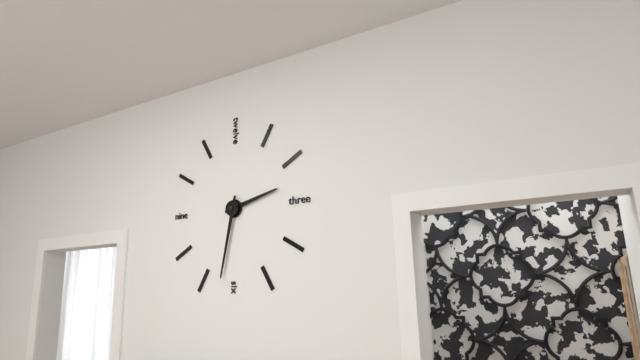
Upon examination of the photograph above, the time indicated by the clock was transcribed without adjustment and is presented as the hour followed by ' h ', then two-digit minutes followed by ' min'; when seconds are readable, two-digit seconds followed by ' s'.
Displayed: 2 h 32 min
